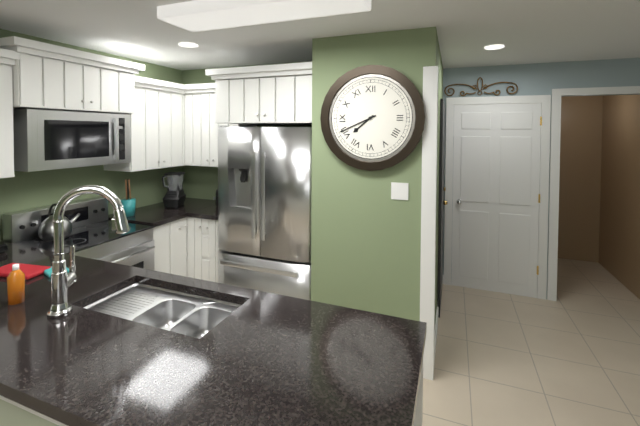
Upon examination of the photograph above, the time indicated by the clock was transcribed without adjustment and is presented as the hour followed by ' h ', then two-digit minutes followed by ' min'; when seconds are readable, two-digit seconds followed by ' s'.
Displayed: 7 h 41 min
